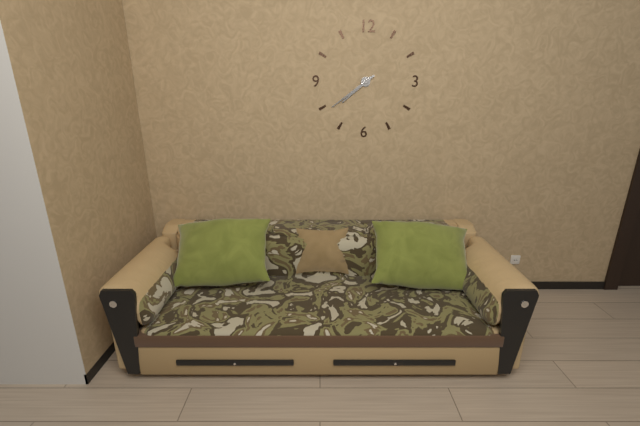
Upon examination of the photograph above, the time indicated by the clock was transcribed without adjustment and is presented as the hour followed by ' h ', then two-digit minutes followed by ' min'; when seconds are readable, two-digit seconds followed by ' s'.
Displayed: 7 h 39 min
